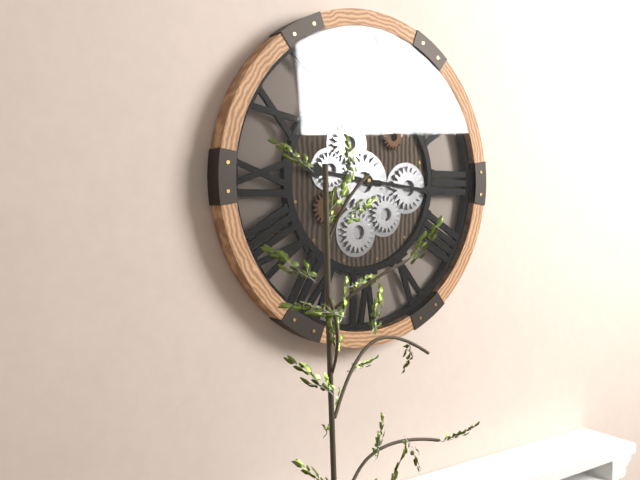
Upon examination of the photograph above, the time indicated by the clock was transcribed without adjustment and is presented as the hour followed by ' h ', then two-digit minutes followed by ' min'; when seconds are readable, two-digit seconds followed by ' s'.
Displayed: 9 h 16 min
